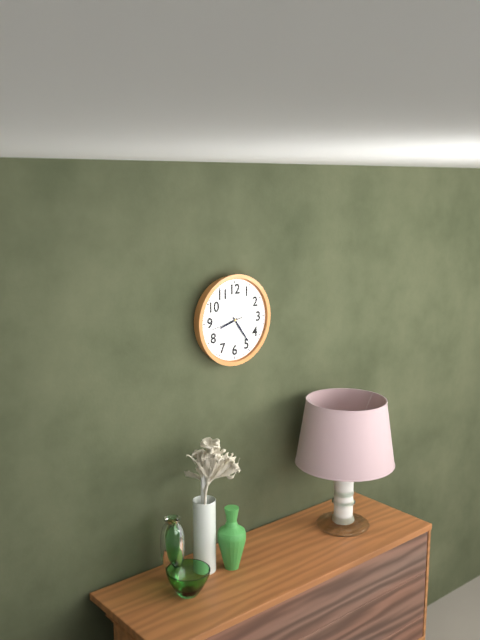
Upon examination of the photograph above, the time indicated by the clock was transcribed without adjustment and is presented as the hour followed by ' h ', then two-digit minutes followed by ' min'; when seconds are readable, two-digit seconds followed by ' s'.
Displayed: 8 h 24 min
